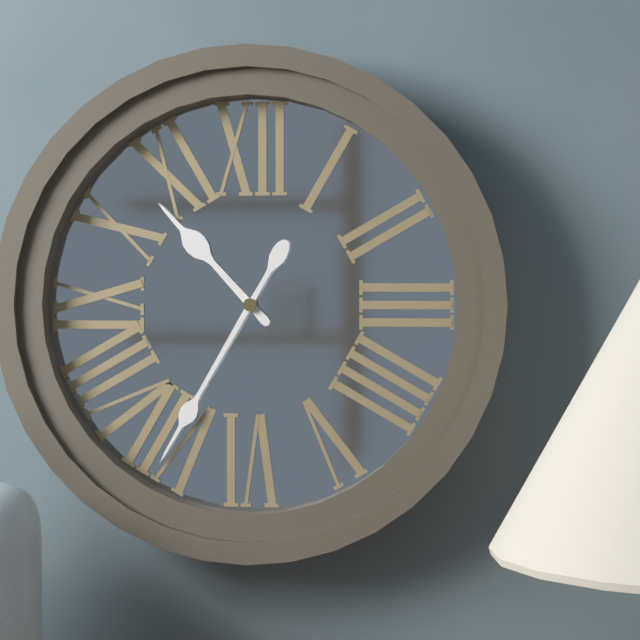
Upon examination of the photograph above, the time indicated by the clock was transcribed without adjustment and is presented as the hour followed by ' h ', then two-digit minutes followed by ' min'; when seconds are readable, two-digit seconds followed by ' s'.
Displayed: 10 h 35 min
